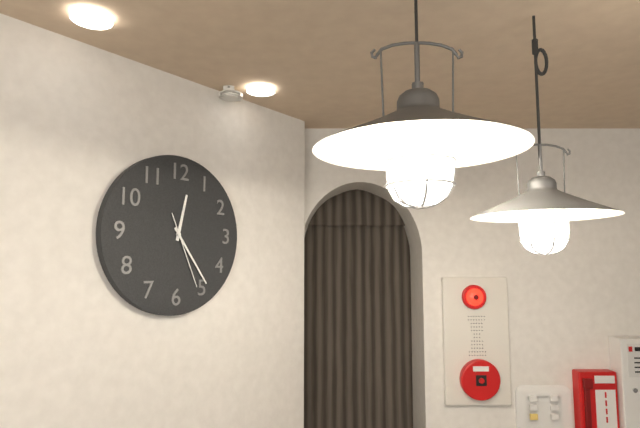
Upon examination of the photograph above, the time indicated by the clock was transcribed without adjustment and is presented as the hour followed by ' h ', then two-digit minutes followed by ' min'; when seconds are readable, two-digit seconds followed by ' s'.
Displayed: 12 h 24 min 26 s
